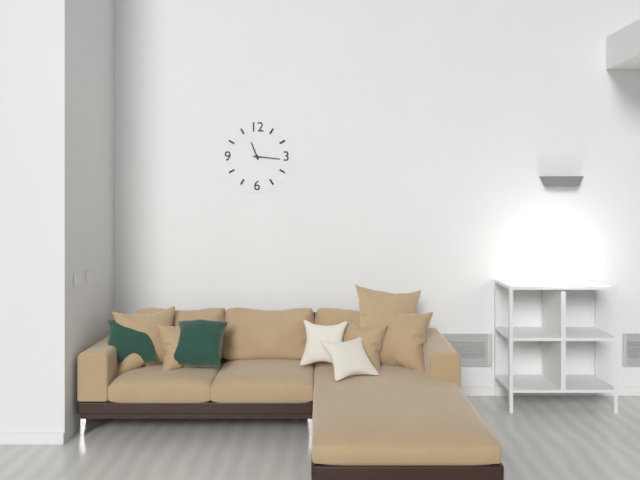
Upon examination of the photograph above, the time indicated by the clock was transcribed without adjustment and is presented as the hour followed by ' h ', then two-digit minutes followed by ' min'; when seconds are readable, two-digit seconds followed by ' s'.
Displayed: 11 h 16 min
